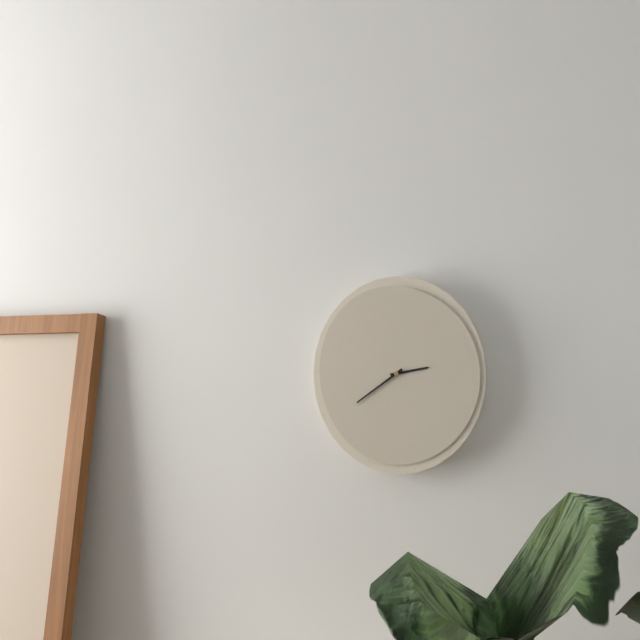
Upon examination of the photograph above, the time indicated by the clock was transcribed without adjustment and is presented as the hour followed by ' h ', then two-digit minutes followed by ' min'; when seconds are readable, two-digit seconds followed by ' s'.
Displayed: 2 h 39 min
